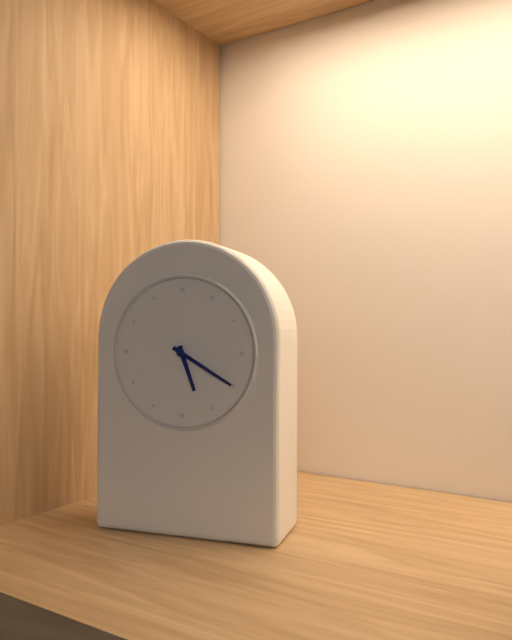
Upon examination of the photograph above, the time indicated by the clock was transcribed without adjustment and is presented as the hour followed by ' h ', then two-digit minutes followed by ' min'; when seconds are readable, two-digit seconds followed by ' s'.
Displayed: 5 h 20 min
